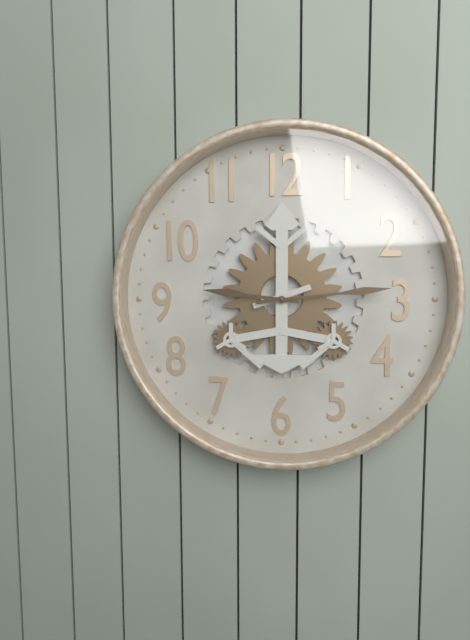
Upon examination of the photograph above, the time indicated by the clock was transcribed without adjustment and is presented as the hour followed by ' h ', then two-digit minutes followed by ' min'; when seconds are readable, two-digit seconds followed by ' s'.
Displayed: 9 h 14 min
